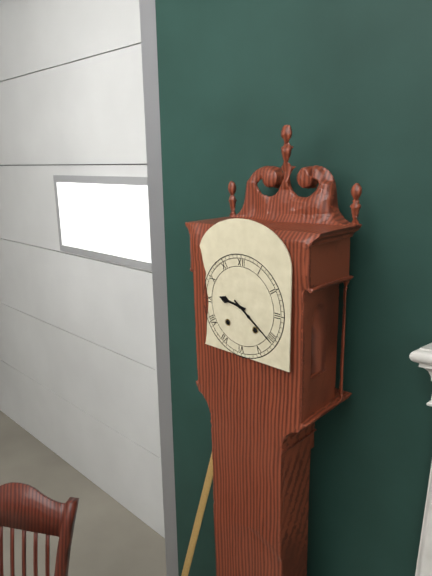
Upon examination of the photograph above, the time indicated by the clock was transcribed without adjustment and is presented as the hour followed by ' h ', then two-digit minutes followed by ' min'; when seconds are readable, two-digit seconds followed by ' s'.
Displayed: 9 h 21 min
